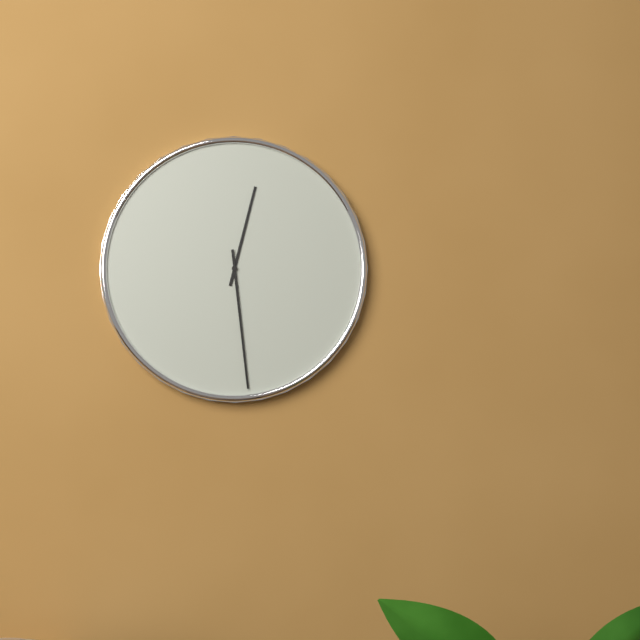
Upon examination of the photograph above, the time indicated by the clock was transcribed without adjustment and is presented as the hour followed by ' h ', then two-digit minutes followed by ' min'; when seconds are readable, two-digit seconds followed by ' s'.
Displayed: 12 h 29 min
